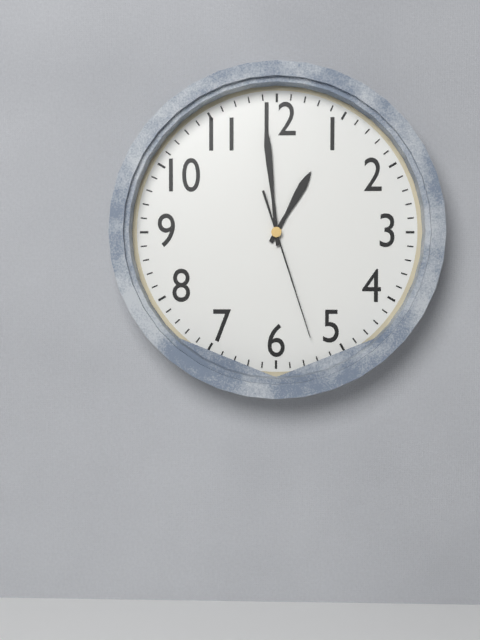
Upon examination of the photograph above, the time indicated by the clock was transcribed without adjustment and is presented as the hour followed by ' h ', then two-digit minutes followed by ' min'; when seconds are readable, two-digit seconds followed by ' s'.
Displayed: 12 h 59 min 27 s
